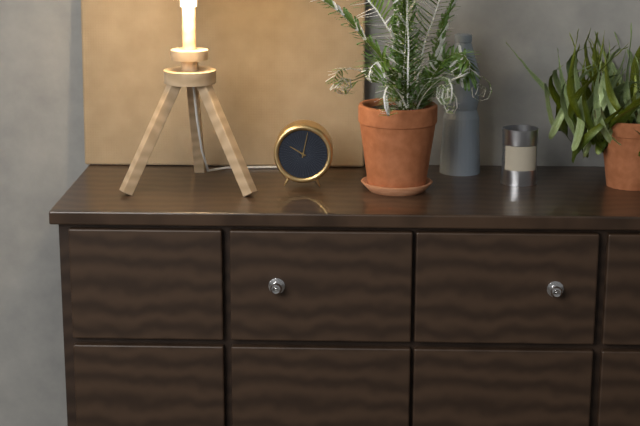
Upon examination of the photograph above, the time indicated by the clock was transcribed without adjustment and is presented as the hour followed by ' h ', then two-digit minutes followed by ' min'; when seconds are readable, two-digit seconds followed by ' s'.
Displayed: 10 h 02 min
